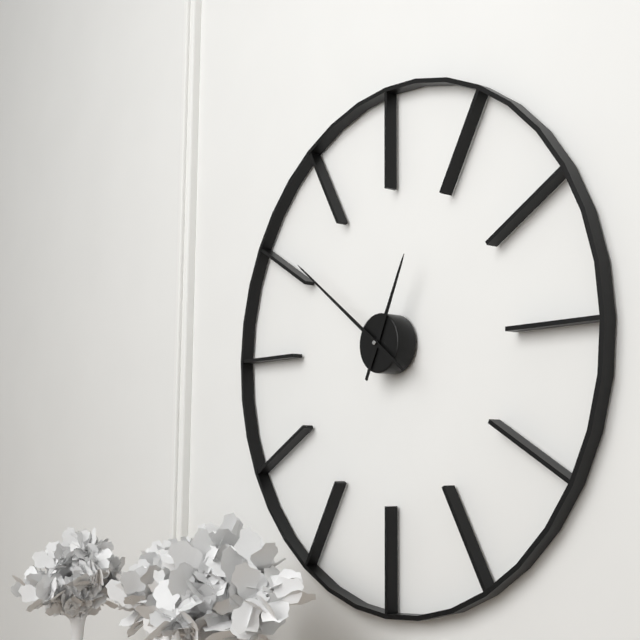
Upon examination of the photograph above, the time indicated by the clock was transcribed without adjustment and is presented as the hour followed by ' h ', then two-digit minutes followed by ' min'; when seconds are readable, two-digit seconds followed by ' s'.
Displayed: 12 h 51 min
